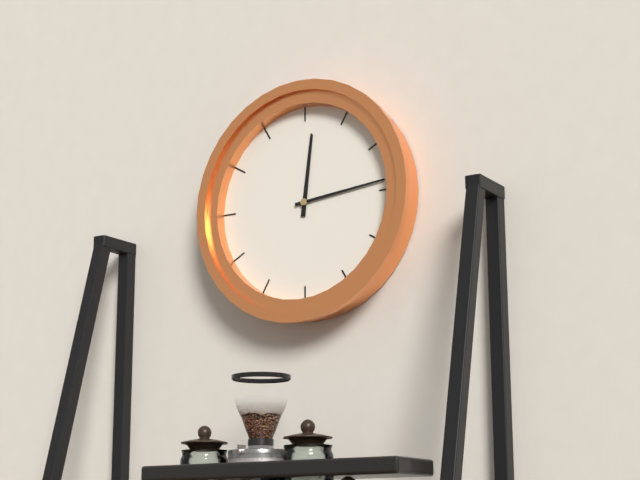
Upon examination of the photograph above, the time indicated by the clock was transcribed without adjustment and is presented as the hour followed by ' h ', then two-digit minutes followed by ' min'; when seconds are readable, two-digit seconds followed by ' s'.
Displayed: 12 h 14 min
